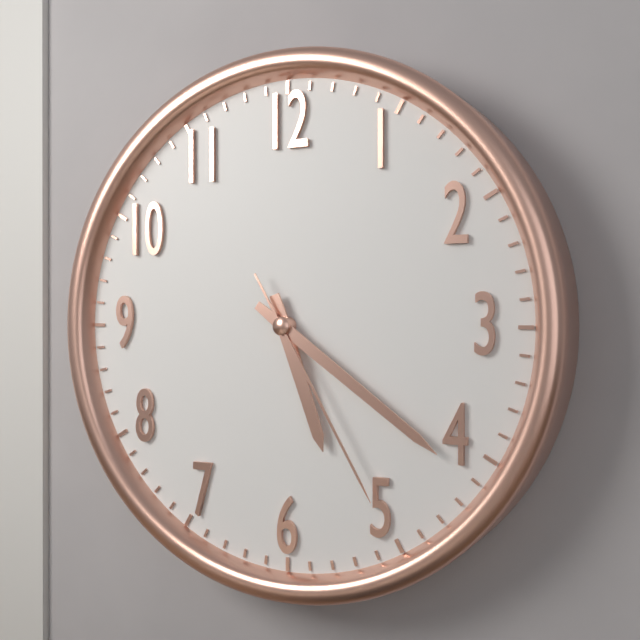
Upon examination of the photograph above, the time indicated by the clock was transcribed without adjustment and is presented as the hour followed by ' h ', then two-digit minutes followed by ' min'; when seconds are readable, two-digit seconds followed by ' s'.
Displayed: 5 h 21 min 25 s
